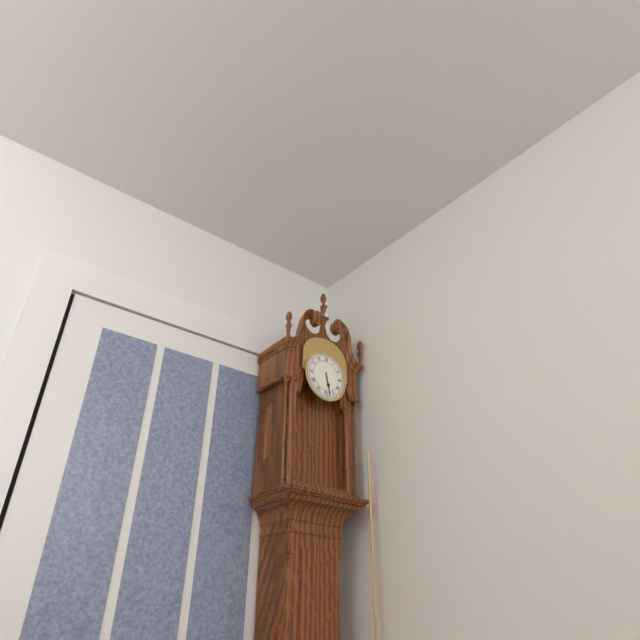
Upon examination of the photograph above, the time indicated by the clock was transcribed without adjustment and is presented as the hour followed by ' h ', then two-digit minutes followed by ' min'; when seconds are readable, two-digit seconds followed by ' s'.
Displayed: 5 h 28 min
